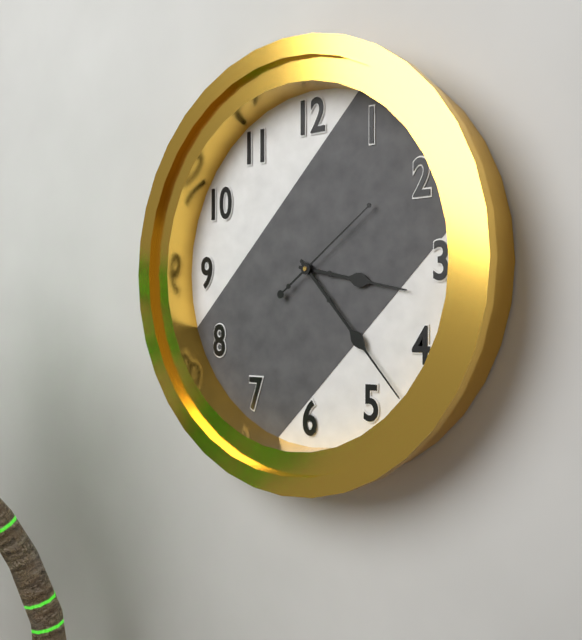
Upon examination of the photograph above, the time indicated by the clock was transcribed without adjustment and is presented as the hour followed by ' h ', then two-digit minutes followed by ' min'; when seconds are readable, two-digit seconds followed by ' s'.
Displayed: 3 h 23 min 09 s
